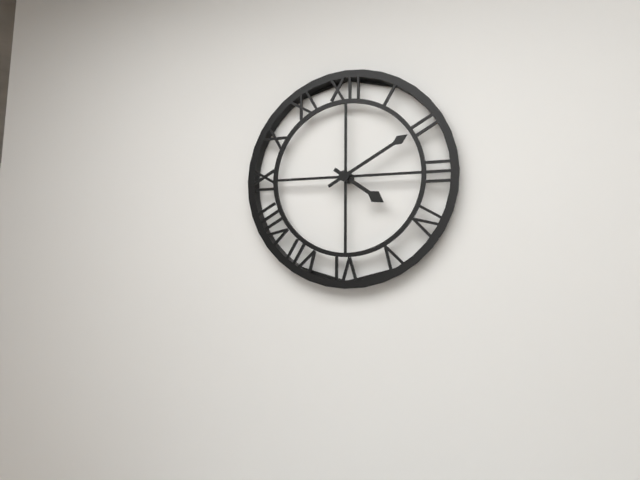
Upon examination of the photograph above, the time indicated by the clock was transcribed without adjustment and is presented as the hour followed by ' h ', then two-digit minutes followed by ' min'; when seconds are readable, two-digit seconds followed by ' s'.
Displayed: 4 h 10 min
